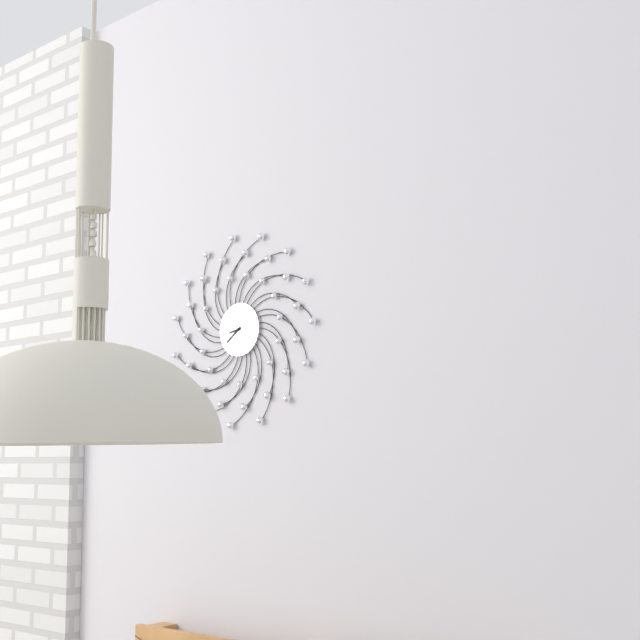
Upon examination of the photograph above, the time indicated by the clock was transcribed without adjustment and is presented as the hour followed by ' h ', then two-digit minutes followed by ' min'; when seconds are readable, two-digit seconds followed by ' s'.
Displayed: 8 h 39 min
